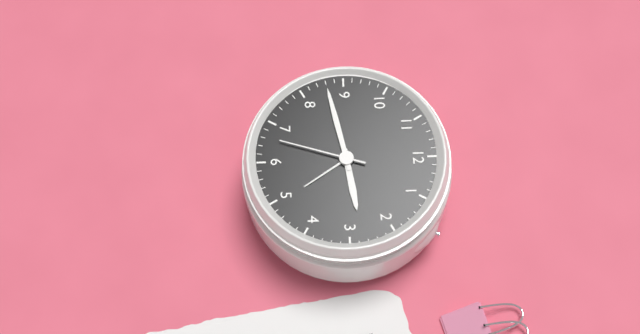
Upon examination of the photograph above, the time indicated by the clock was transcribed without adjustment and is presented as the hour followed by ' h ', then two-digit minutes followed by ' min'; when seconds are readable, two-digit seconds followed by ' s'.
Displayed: 2 h 43 min 33 s
